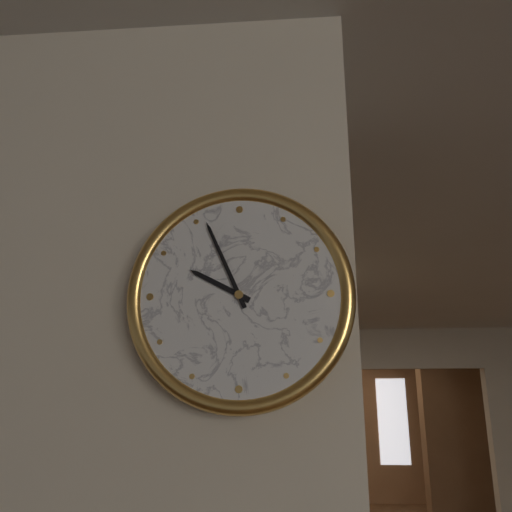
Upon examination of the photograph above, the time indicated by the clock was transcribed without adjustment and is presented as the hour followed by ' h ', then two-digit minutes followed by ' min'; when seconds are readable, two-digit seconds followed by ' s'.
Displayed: 9 h 56 min
